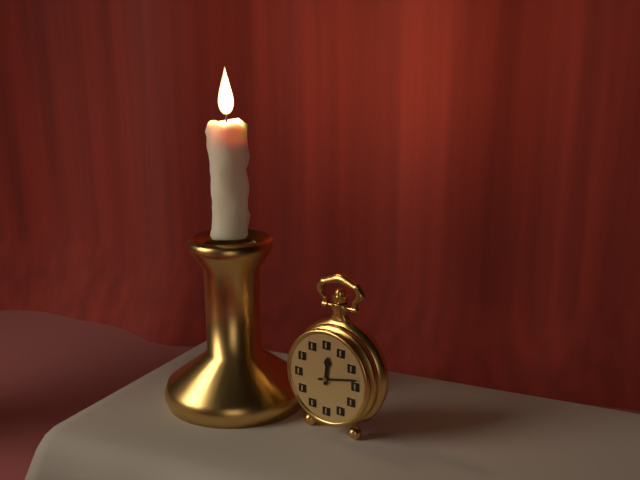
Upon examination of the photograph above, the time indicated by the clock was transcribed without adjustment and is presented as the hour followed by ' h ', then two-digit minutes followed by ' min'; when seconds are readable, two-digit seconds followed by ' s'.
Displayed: 12 h 13 min
